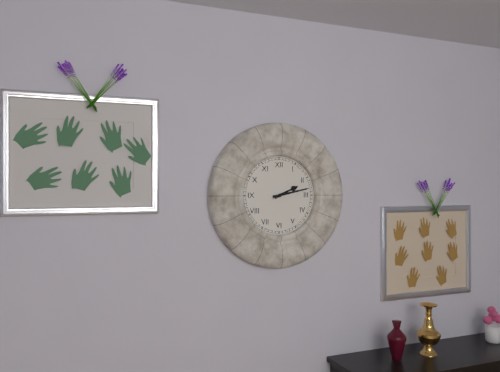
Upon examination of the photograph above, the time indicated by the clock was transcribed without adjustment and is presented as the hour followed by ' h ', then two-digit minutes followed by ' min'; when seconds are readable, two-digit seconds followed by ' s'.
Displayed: 2 h 13 min
